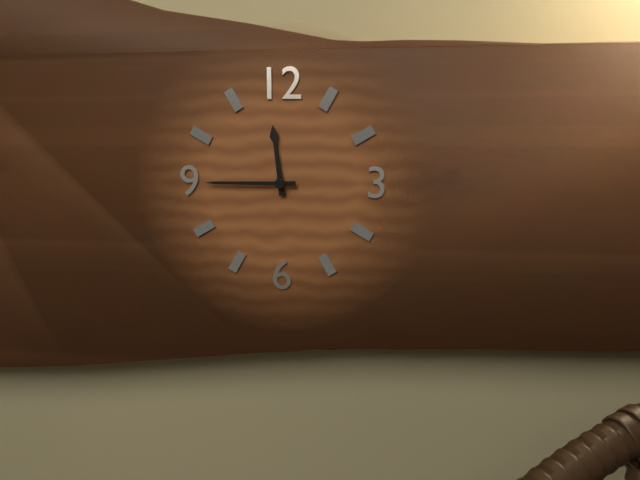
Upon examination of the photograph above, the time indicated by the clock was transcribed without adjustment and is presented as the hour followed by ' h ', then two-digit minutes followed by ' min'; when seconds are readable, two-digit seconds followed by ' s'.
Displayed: 11 h 45 min
